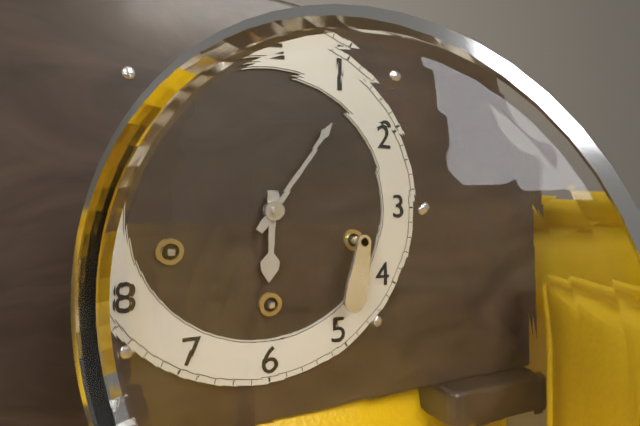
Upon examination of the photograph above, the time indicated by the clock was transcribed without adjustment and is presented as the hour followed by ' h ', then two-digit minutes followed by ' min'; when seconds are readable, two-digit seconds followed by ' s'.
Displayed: 6 h 06 min
